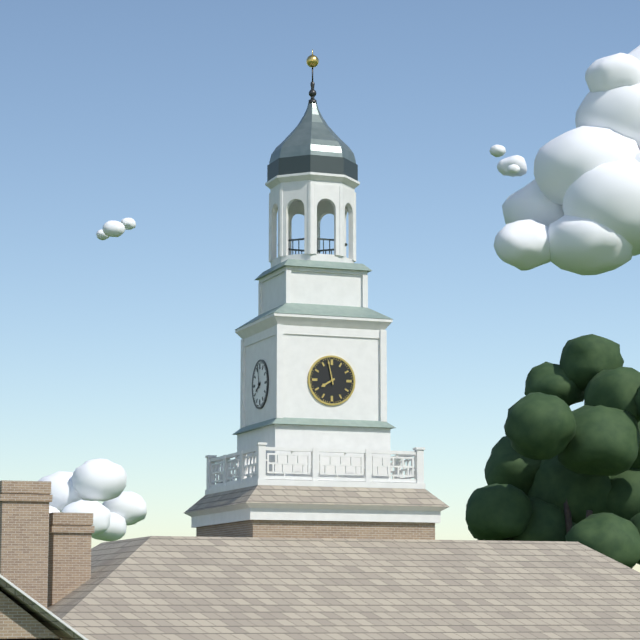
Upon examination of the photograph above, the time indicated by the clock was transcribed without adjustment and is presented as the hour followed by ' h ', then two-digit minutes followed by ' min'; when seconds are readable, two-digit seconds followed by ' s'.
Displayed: 7 h 58 min
